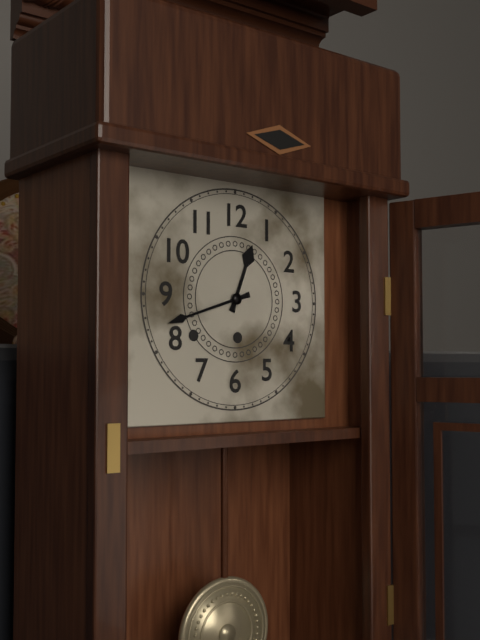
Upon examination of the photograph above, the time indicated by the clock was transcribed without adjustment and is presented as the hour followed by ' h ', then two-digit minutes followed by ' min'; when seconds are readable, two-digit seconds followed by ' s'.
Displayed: 12 h 42 min
